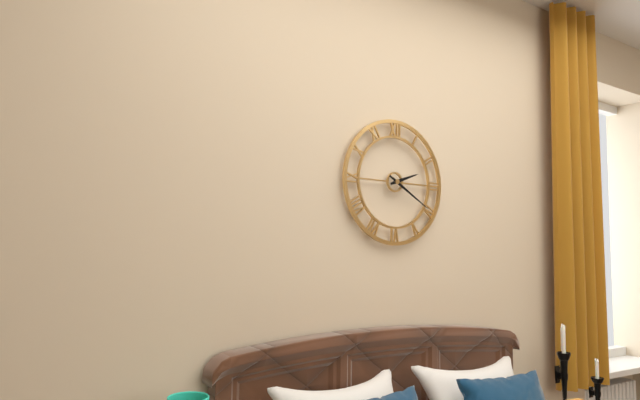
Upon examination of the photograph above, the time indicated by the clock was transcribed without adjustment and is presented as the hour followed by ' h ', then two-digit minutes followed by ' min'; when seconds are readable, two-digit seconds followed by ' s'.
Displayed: 2 h 20 min
